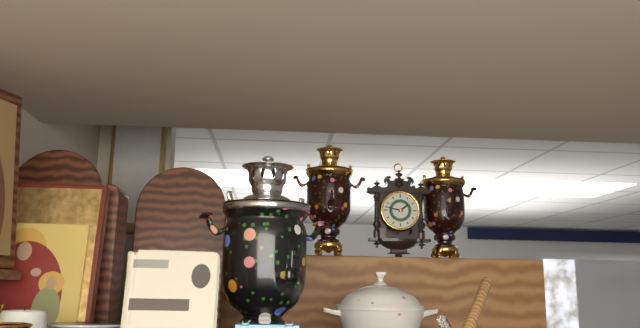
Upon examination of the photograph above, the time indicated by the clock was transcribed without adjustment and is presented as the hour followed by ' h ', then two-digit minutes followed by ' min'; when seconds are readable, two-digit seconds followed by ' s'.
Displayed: 1 h 47 min
